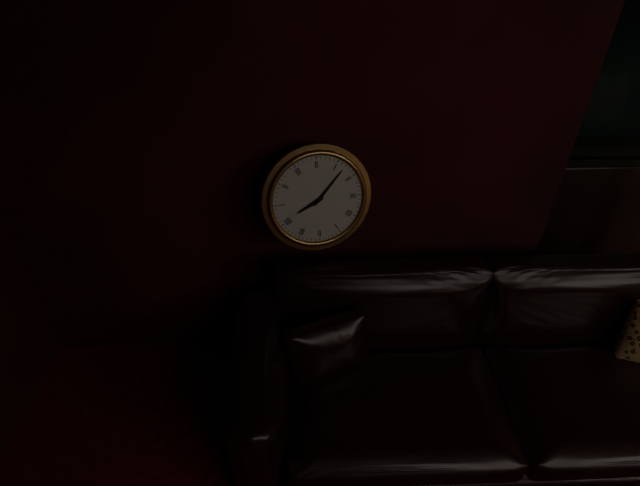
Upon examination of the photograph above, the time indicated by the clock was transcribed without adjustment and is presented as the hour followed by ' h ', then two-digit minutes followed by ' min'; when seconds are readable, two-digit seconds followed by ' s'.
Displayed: 8 h 07 min
